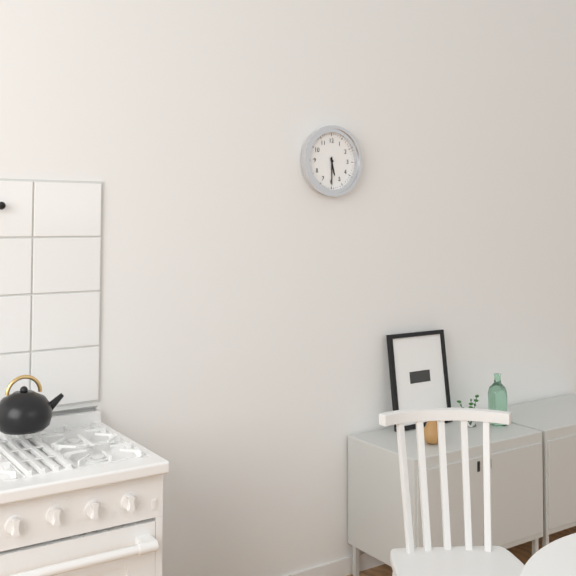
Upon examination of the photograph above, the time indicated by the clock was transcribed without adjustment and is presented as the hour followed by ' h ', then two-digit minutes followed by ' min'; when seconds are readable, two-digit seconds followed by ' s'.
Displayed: 5 h 30 min
